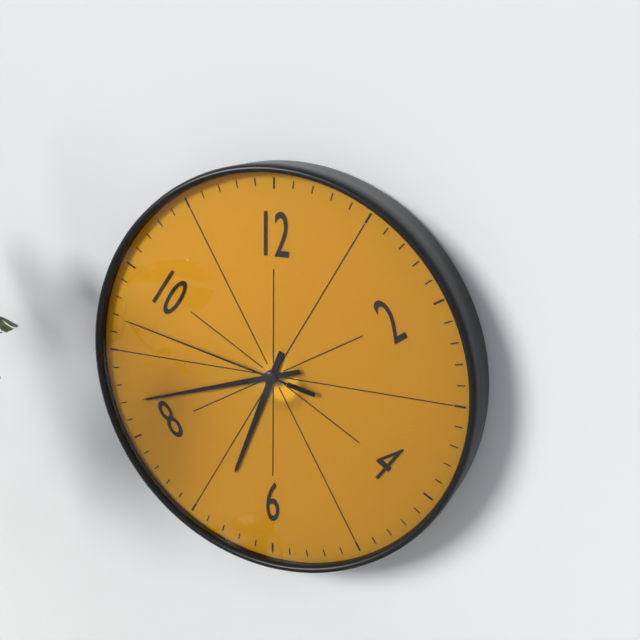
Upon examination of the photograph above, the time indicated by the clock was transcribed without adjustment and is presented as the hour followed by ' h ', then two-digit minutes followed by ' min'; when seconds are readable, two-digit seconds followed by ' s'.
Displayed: 6 h 42 min 47 s
